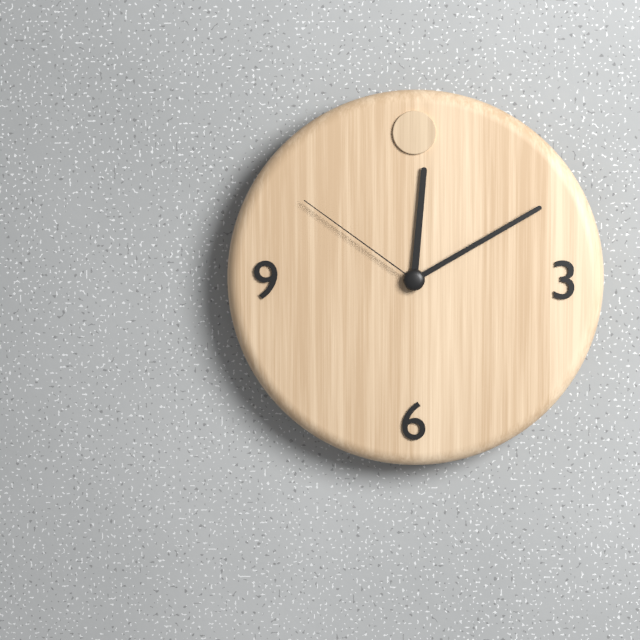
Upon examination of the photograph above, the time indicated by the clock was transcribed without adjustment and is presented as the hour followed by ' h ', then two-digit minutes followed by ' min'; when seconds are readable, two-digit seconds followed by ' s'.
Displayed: 12 h 10 min 51 s
